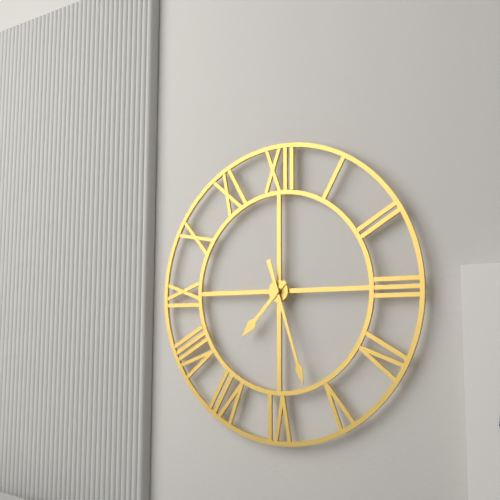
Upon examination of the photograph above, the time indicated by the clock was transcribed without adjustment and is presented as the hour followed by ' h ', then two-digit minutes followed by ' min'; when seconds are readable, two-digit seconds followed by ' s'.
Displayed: 7 h 27 min
